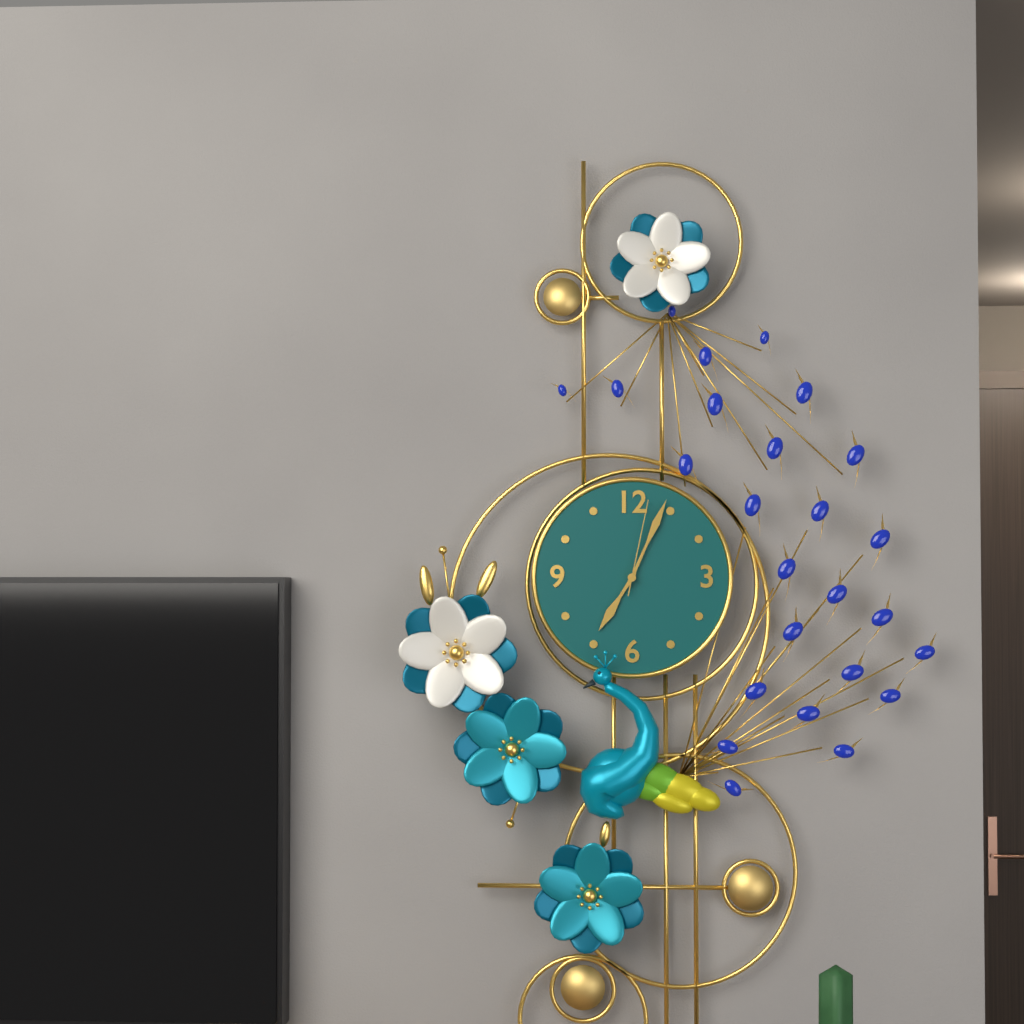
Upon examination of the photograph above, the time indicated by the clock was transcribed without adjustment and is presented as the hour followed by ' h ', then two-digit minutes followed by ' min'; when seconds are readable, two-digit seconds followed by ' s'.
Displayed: 7 h 04 min 02 s
